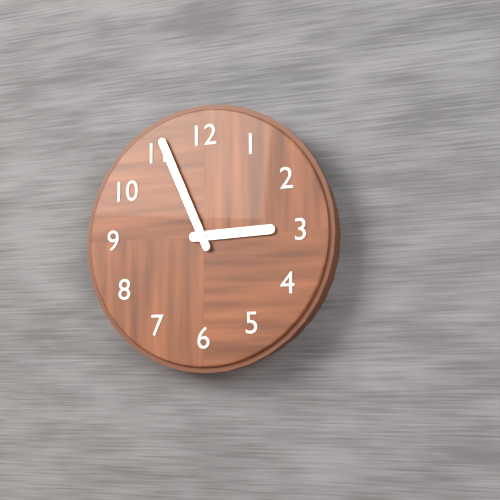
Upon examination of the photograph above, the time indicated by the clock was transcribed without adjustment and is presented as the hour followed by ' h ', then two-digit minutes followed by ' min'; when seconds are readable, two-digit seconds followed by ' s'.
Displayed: 2 h 56 min
